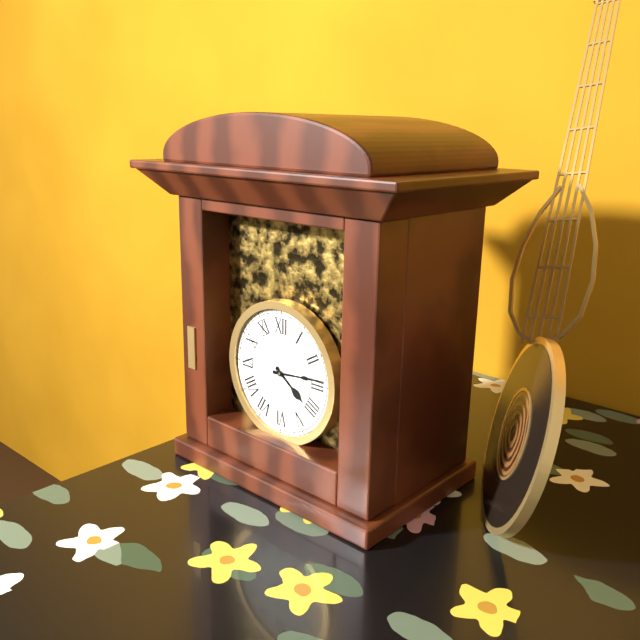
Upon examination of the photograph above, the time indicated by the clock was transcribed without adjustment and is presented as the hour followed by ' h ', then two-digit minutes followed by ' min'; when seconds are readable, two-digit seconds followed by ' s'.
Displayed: 4 h 14 min
